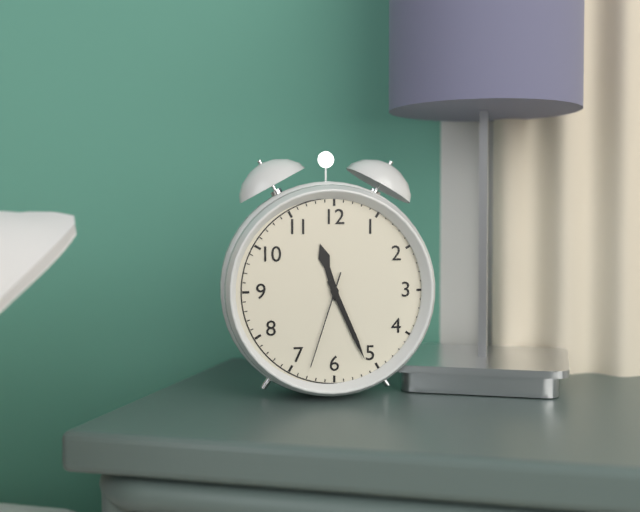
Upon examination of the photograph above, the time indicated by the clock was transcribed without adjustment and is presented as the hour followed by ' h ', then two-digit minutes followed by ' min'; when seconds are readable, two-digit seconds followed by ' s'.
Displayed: 11 h 26 min 33 s
